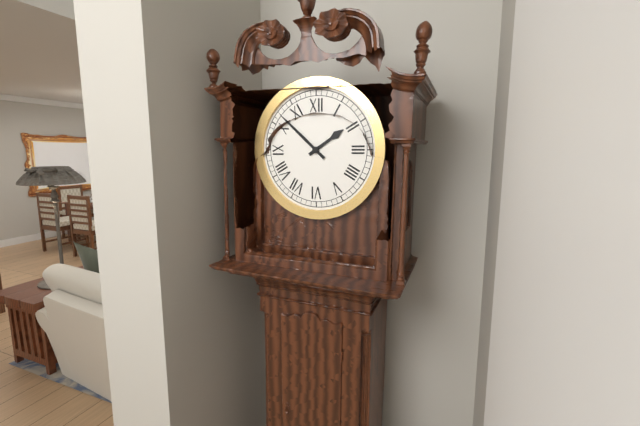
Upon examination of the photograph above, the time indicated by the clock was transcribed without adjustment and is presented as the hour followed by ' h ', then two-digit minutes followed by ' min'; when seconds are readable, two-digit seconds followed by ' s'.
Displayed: 1 h 52 min
